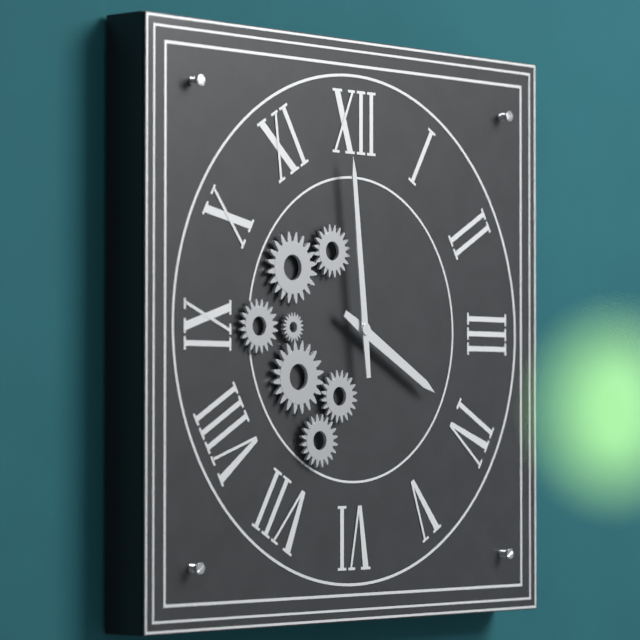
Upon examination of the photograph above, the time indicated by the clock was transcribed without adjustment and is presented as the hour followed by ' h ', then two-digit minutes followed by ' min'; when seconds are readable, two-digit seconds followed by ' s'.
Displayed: 3 h 59 min
